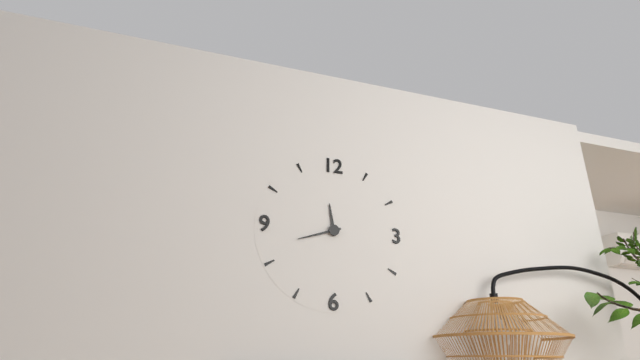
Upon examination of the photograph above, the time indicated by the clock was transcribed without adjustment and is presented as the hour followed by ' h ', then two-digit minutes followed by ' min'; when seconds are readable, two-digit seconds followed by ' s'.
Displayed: 11 h 42 min
